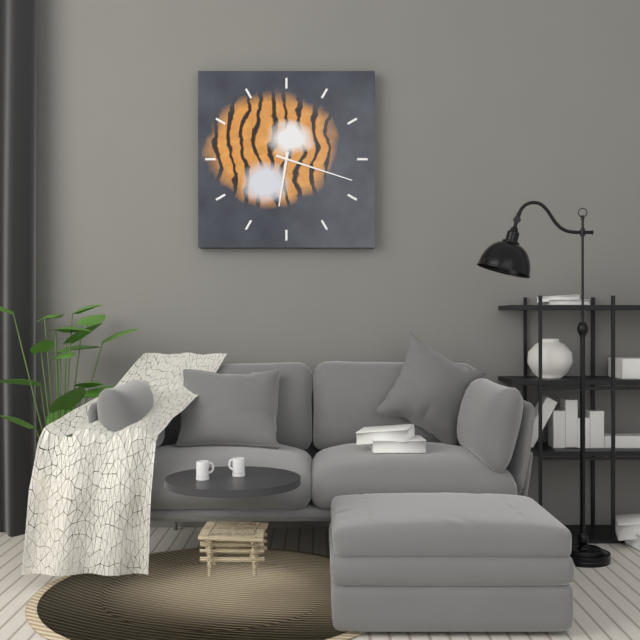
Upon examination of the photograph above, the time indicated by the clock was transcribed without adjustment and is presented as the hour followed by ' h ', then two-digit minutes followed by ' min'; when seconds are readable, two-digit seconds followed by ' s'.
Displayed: 6 h 18 min
